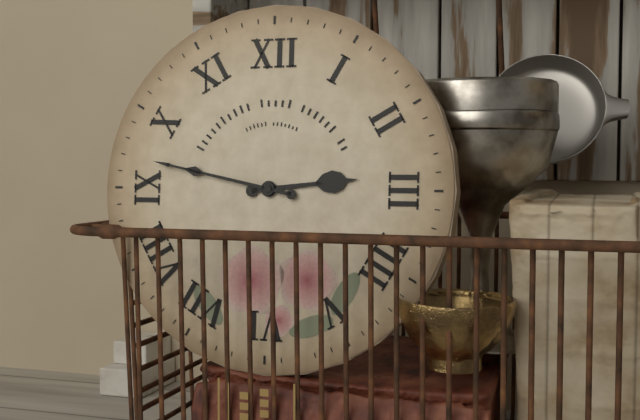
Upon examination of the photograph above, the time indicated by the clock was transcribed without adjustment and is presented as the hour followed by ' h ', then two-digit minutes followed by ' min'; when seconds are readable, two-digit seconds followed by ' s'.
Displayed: 2 h 47 min
